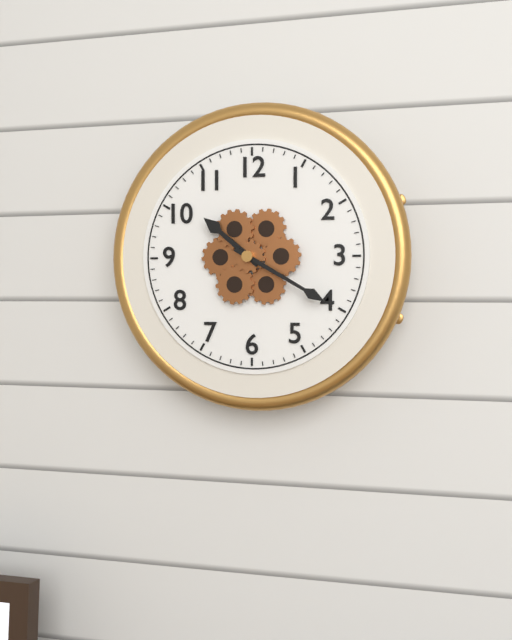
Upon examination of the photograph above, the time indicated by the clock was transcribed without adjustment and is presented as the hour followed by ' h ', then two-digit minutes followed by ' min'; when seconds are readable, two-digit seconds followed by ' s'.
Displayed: 10 h 20 min
